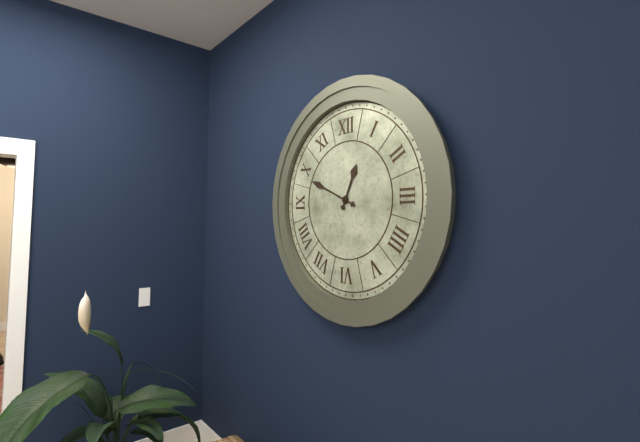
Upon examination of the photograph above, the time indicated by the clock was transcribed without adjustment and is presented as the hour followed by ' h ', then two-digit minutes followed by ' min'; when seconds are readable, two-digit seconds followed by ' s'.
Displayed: 12 h 49 min
